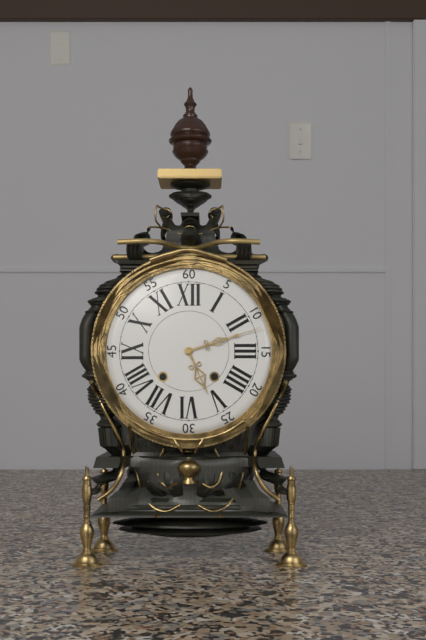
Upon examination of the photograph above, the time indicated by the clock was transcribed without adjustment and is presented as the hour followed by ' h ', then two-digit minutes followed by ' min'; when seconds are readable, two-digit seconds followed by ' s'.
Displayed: 5 h 12 min
